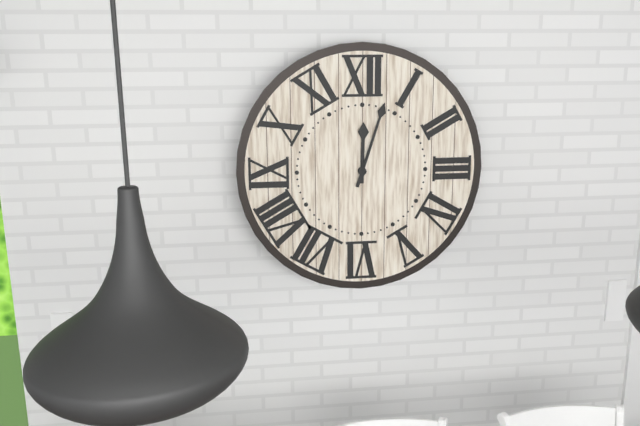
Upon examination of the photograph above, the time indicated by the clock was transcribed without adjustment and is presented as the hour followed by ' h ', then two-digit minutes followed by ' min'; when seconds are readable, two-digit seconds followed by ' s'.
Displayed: 12 h 03 min
